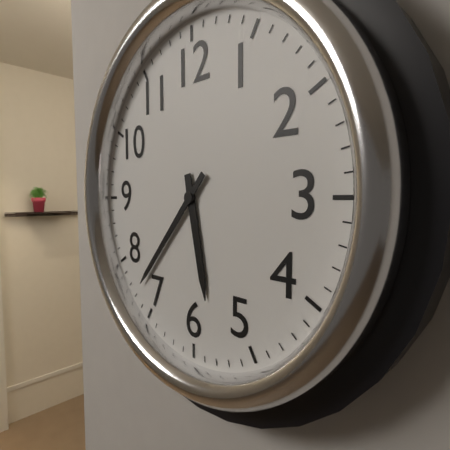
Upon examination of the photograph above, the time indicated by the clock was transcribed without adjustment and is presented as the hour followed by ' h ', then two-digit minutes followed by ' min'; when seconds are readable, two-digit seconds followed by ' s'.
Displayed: 5 h 37 min
